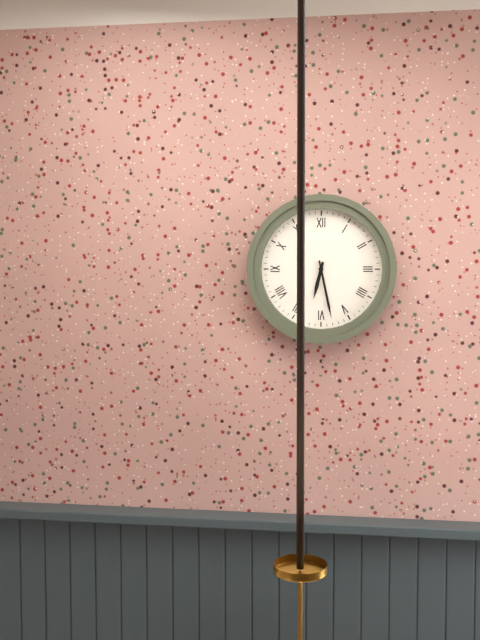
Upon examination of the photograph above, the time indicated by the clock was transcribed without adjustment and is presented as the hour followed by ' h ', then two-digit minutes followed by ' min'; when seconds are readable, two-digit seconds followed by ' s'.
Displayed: 6 h 28 min
